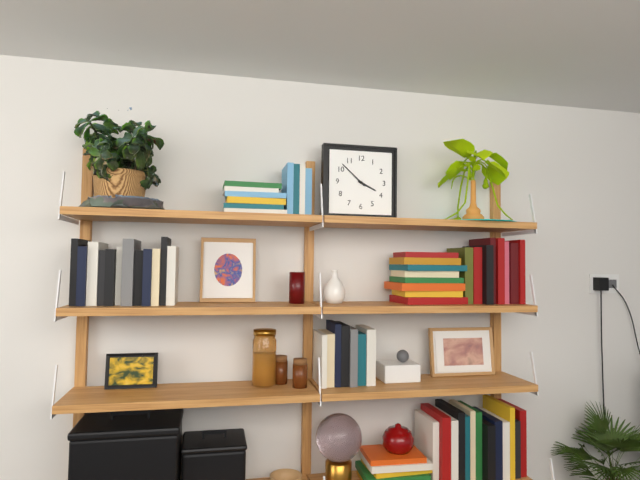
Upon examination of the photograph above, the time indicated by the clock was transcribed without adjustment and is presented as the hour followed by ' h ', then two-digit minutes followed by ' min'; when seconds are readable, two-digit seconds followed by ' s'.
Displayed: 3 h 52 min
